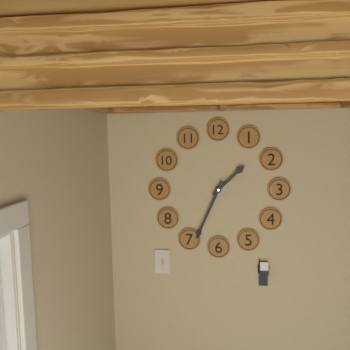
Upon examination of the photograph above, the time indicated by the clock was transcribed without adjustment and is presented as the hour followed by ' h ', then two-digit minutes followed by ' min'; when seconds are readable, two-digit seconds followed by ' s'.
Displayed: 1 h 34 min
